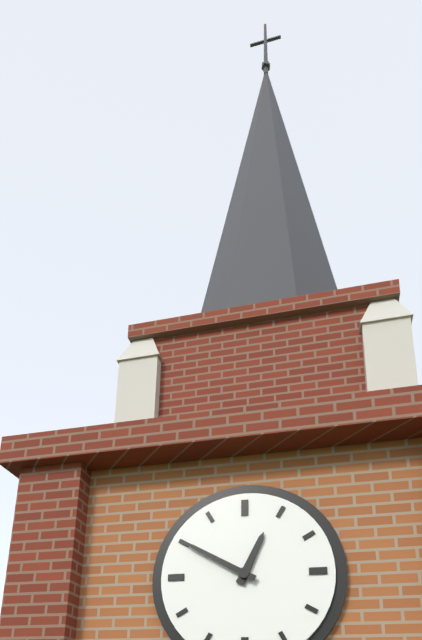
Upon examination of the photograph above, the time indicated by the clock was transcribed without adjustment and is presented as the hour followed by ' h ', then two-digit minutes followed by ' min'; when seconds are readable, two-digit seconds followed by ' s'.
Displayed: 12 h 50 min
